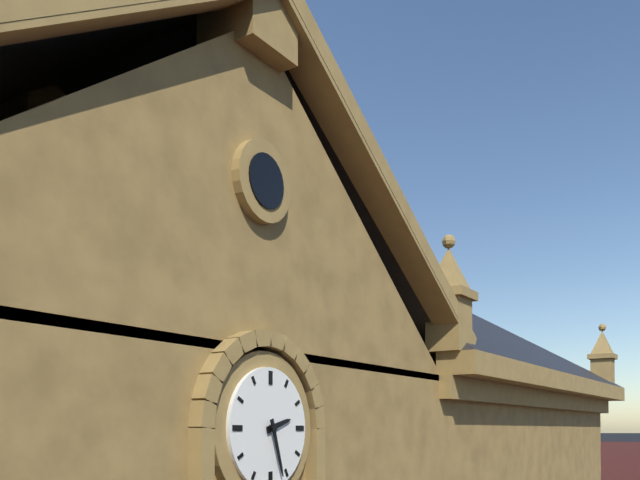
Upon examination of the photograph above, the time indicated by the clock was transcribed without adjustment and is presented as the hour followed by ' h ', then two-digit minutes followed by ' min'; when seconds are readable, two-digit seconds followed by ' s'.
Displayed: 2 h 27 min
